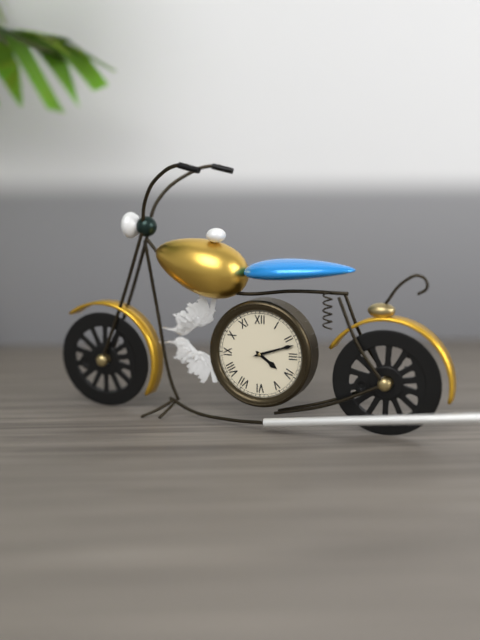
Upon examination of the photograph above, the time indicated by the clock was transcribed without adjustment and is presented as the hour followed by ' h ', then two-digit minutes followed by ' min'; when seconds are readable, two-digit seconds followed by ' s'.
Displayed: 4 h 12 min
